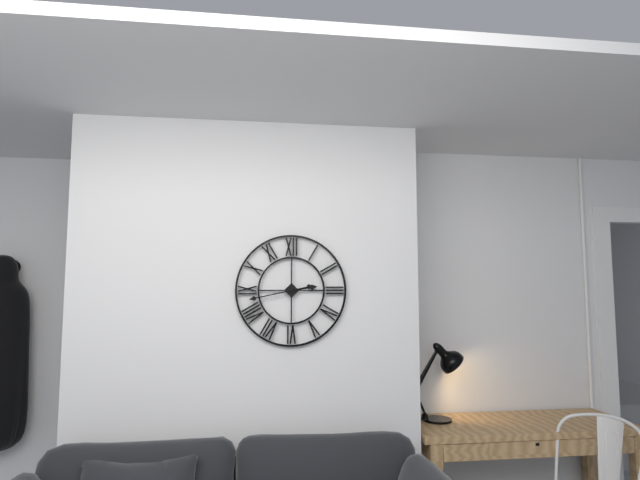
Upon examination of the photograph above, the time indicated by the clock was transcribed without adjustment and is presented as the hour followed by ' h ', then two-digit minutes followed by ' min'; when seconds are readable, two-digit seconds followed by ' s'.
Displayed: 2 h 43 min
